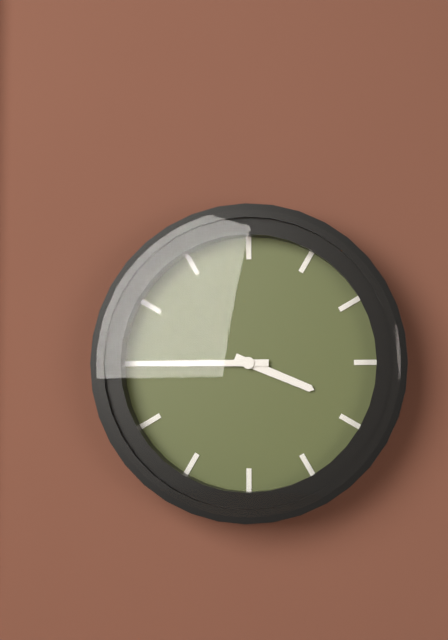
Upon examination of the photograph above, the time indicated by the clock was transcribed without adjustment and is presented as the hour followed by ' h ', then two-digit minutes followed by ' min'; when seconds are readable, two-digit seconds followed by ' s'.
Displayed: 3 h 45 min
